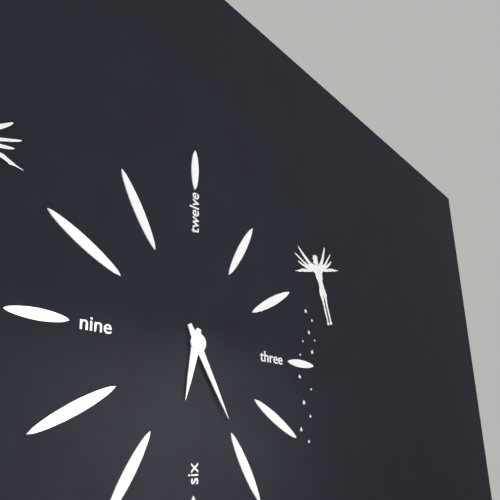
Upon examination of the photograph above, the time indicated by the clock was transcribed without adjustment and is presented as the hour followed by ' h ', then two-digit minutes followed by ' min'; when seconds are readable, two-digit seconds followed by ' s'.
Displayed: 6 h 25 min
